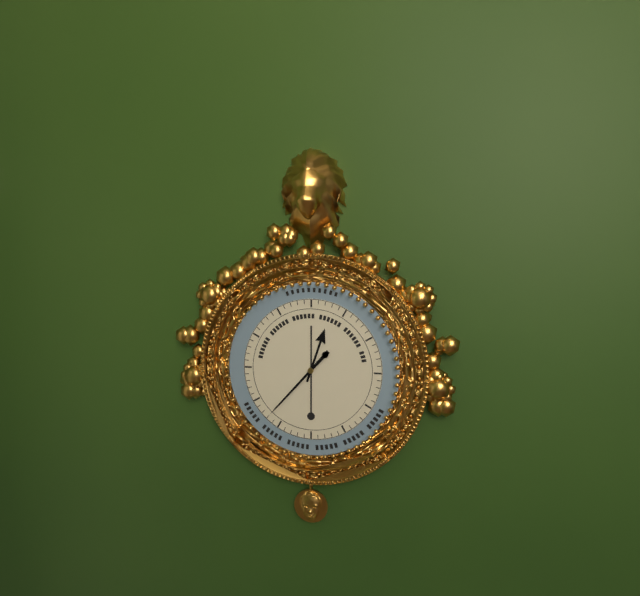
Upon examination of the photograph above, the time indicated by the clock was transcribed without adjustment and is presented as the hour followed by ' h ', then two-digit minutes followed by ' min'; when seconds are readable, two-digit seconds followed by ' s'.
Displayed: 12 h 37 min
